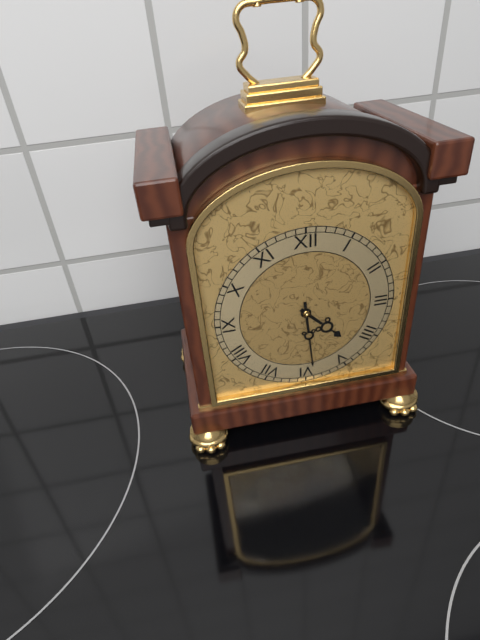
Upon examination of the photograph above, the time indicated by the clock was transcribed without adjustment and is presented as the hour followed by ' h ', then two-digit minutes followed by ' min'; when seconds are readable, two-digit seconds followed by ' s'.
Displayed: 4 h 29 min
